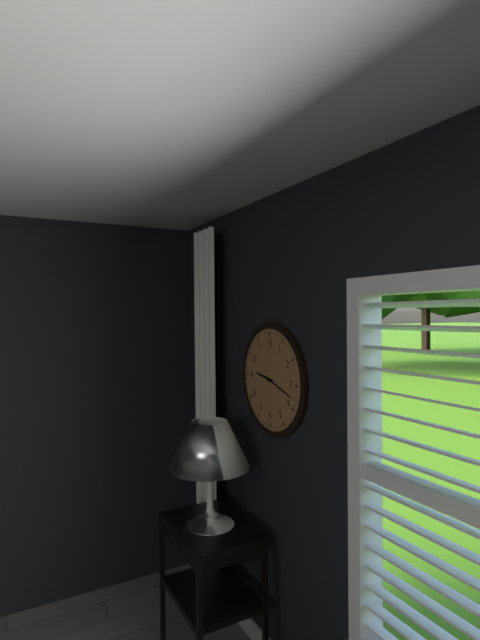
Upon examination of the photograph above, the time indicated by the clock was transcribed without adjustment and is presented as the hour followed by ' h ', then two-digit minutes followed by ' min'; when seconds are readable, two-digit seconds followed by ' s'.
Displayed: 9 h 18 min
